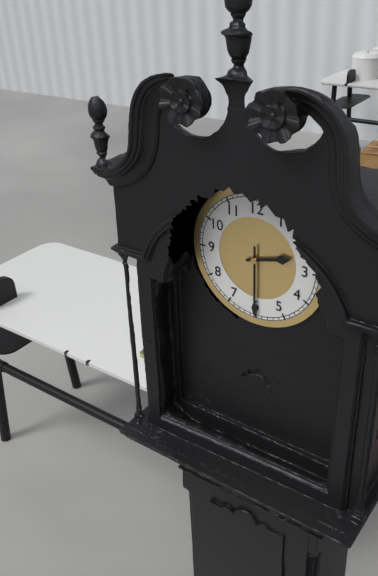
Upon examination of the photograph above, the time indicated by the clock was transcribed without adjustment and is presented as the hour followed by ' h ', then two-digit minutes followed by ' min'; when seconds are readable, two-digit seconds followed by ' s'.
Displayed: 2 h 30 min
